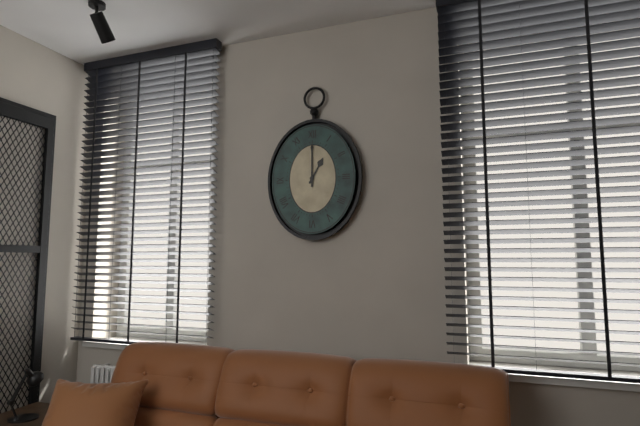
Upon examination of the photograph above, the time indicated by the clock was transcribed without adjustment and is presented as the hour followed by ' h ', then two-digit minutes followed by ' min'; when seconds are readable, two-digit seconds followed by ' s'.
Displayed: 1 h 00 min
